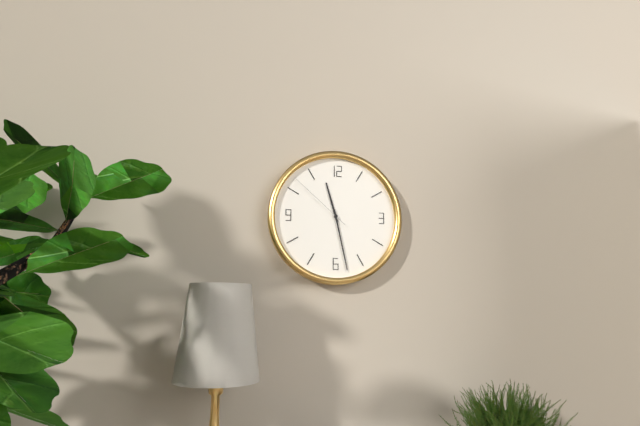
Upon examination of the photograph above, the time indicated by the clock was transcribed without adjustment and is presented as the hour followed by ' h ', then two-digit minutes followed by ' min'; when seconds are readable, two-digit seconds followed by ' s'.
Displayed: 11 h 28 min 52 s
